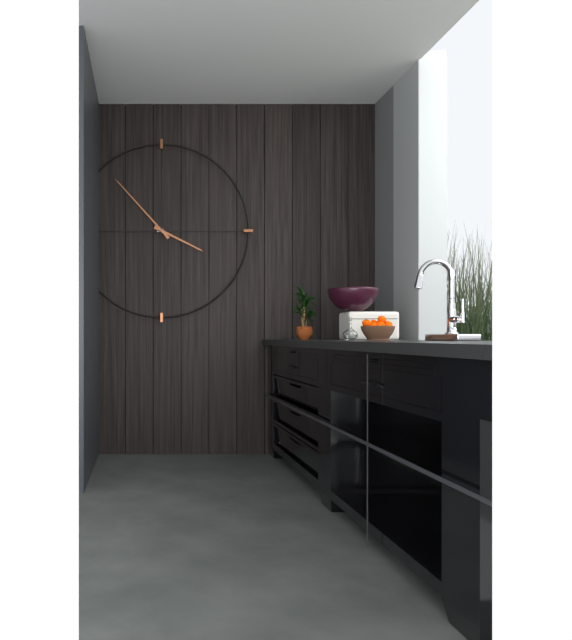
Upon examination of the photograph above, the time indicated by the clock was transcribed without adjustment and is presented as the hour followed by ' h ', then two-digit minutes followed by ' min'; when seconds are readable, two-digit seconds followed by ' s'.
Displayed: 3 h 53 min
